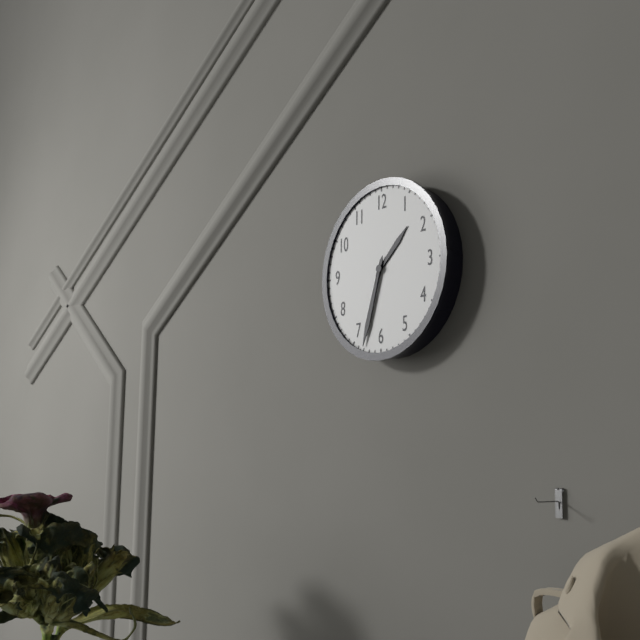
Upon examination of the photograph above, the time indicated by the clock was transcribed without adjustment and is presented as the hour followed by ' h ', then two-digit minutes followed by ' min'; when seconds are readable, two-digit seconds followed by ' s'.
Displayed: 1 h 33 min
